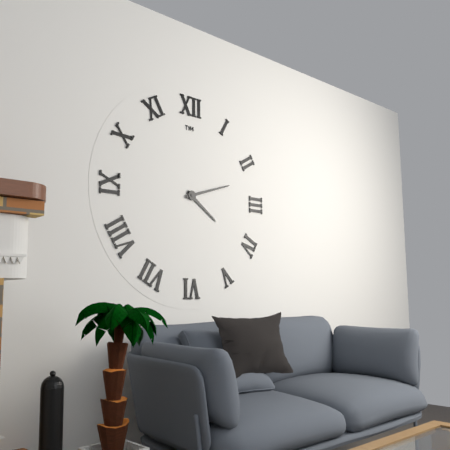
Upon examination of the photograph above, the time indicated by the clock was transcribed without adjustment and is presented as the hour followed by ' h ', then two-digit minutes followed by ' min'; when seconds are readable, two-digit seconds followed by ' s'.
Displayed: 4 h 12 min
